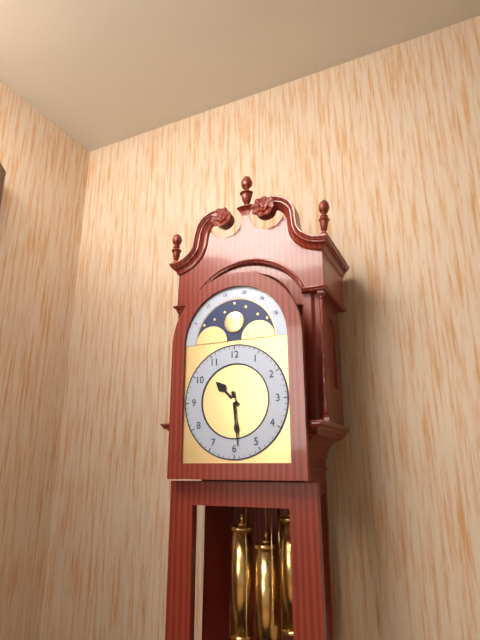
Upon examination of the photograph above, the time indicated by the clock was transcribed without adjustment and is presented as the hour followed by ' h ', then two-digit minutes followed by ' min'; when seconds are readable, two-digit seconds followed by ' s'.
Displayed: 10 h 29 min
